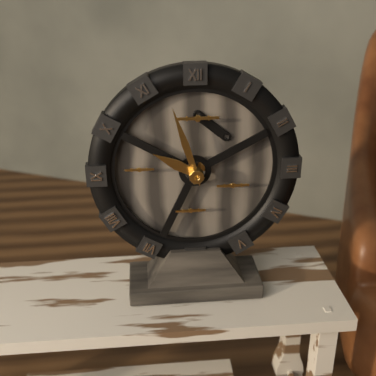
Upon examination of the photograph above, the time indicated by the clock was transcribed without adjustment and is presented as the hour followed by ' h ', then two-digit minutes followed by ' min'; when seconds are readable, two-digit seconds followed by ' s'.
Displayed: 9 h 57 min
